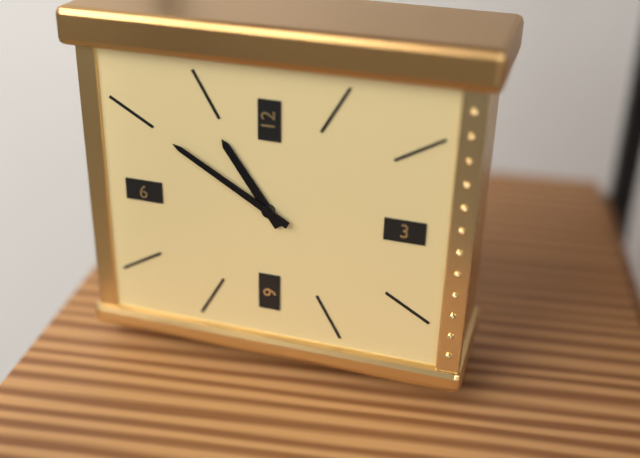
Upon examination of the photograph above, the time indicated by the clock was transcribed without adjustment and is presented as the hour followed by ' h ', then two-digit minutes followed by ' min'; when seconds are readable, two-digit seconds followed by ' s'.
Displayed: 10 h 50 min
